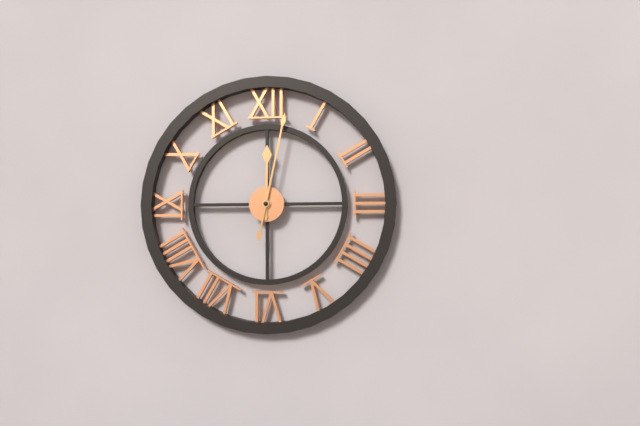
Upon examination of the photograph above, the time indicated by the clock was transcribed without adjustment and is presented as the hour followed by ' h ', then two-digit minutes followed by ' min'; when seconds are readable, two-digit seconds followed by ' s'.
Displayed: 12 h 02 min
